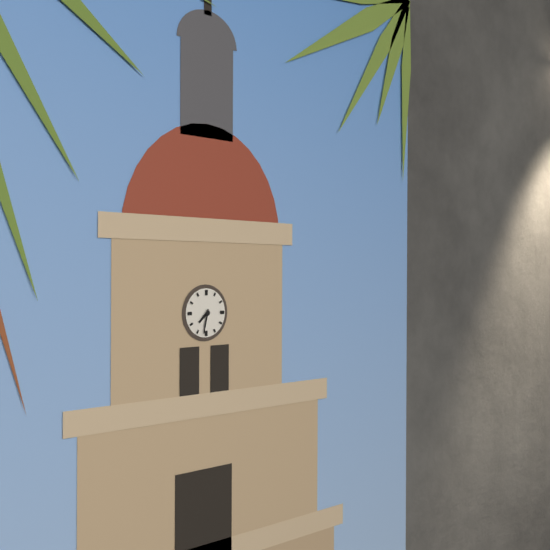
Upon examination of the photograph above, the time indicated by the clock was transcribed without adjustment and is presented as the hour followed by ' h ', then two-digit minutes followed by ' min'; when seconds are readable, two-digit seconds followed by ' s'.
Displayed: 7 h 32 min
